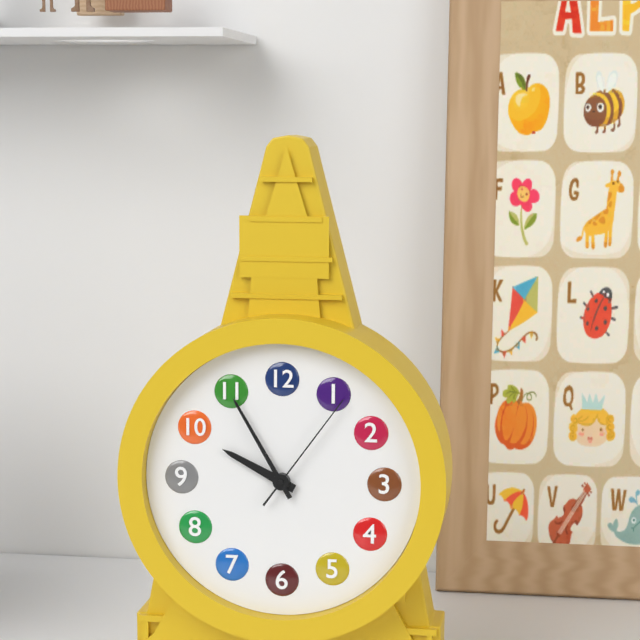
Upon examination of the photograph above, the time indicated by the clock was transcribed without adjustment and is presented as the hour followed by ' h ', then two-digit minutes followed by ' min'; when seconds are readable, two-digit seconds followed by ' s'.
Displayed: 9 h 55 min 06 s
